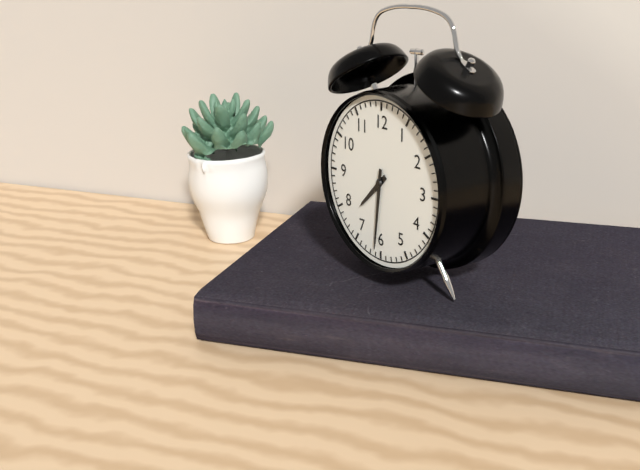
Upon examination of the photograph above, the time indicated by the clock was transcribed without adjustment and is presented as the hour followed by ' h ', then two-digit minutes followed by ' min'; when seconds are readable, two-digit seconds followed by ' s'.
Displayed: 7 h 31 min
